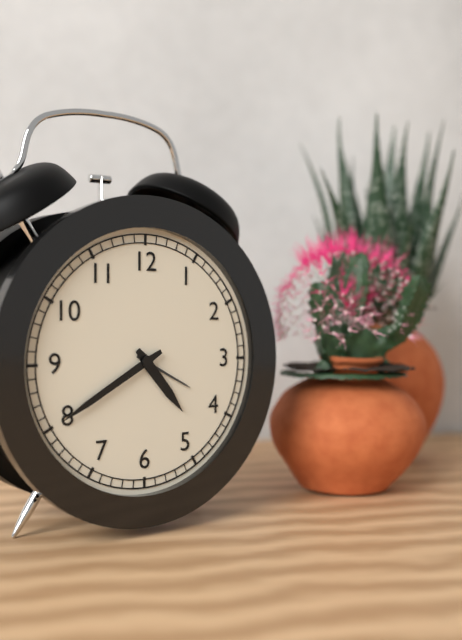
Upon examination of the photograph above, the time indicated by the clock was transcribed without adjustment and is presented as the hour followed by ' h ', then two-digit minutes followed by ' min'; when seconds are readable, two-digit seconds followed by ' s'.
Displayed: 4 h 40 min
